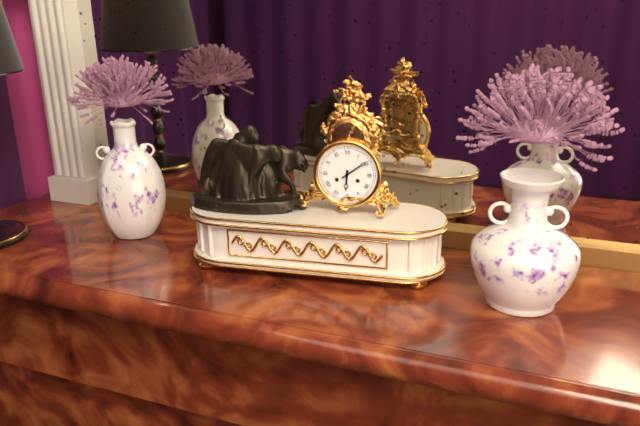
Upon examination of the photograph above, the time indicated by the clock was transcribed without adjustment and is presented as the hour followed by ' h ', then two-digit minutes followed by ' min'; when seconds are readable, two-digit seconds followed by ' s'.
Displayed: 6 h 09 min
